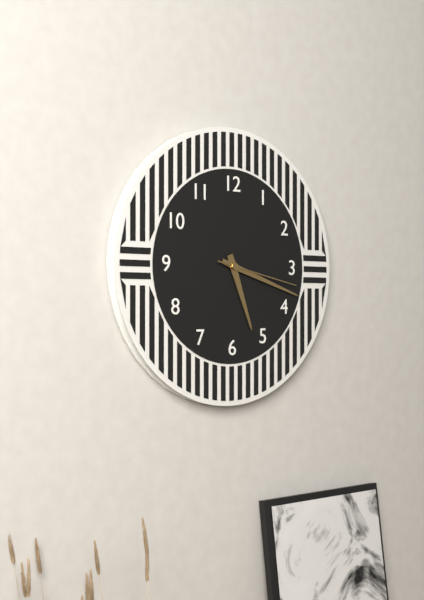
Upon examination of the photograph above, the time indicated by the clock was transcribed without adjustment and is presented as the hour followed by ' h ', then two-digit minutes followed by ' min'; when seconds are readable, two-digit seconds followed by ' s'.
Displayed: 5 h 18 min 17 s
